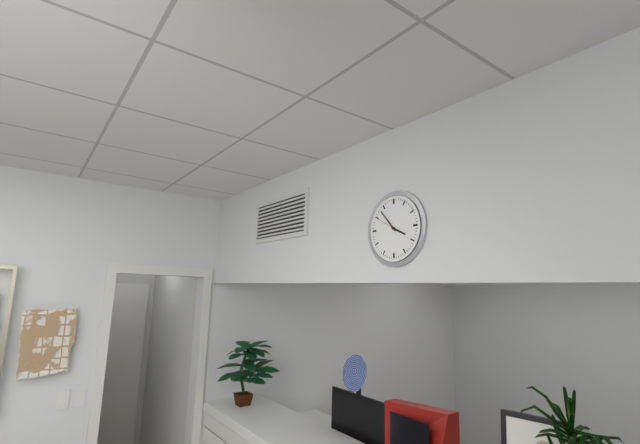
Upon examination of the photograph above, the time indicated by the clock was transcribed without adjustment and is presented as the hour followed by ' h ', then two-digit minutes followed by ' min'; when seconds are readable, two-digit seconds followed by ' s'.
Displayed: 3 h 53 min
